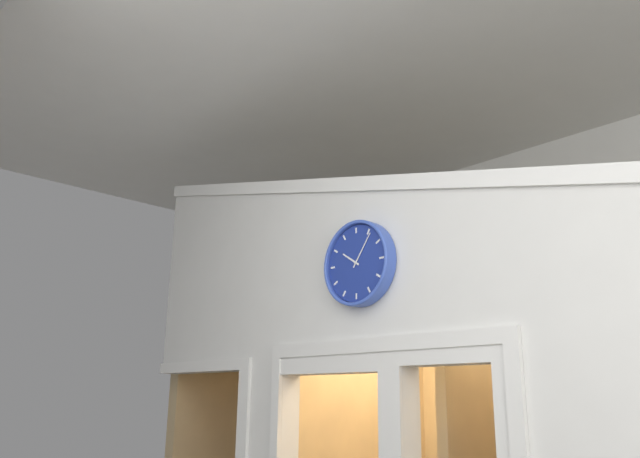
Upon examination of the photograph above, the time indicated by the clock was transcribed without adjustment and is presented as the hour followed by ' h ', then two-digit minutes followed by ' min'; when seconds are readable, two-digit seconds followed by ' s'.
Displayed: 10 h 06 min
